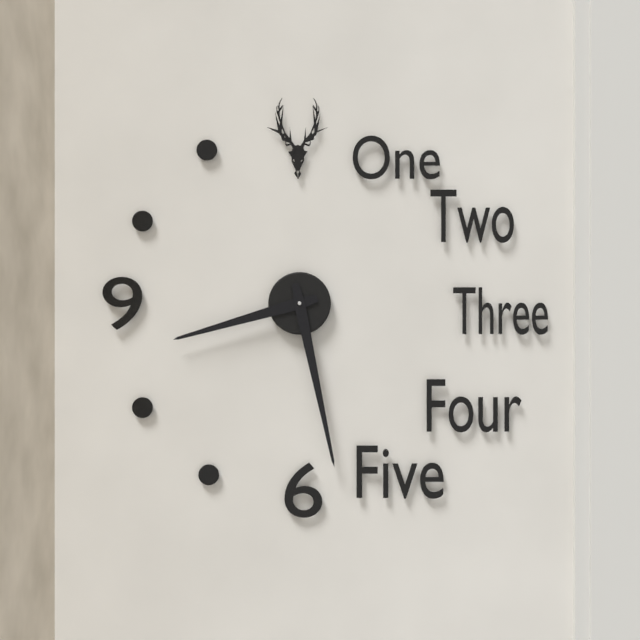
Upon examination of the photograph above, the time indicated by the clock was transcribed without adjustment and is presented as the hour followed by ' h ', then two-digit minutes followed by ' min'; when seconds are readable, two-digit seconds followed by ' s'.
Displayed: 8 h 28 min
